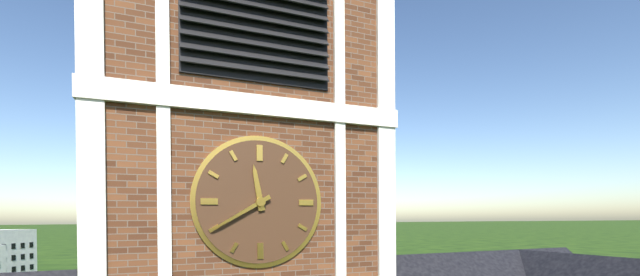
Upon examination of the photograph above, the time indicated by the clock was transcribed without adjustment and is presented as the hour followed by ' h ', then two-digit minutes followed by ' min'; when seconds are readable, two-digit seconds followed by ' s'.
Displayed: 11 h 40 min
